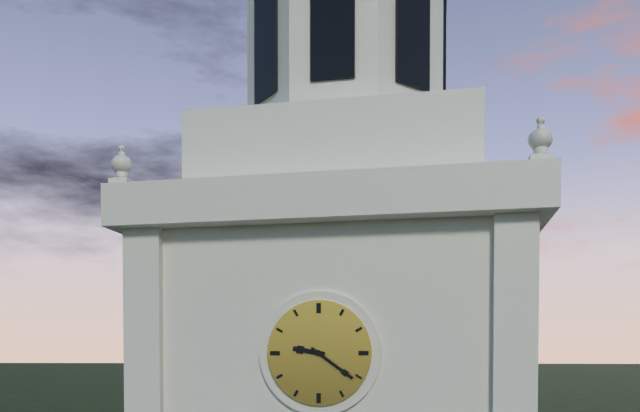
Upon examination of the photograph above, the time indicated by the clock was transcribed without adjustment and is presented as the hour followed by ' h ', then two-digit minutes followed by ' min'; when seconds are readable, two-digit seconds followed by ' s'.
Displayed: 9 h 21 min
